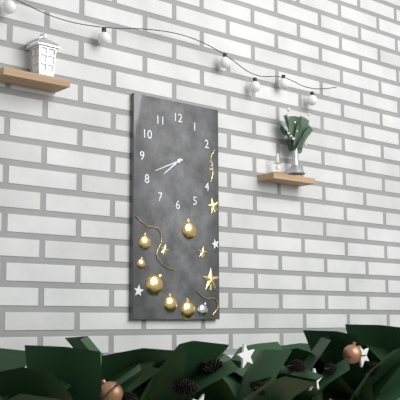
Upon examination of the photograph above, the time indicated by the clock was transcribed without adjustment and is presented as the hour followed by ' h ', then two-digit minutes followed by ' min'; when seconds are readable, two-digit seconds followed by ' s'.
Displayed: 7 h 41 min
